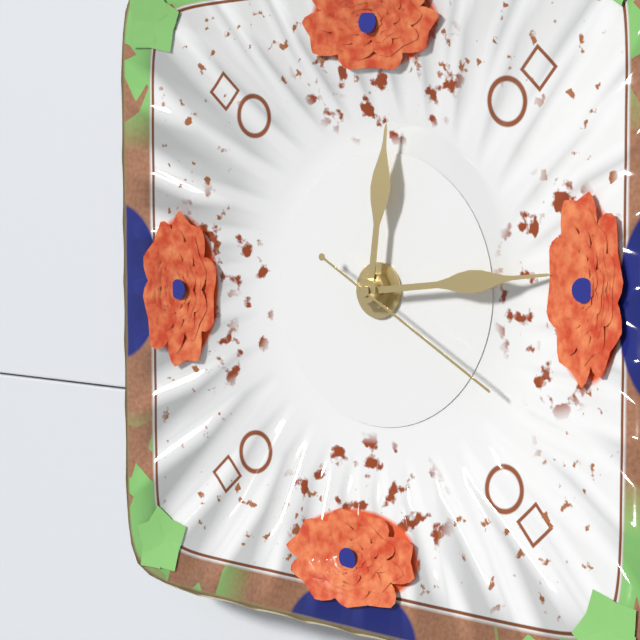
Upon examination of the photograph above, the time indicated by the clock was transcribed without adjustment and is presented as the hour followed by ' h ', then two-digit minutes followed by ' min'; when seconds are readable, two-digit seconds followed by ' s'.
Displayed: 12 h 14 min 20 s
